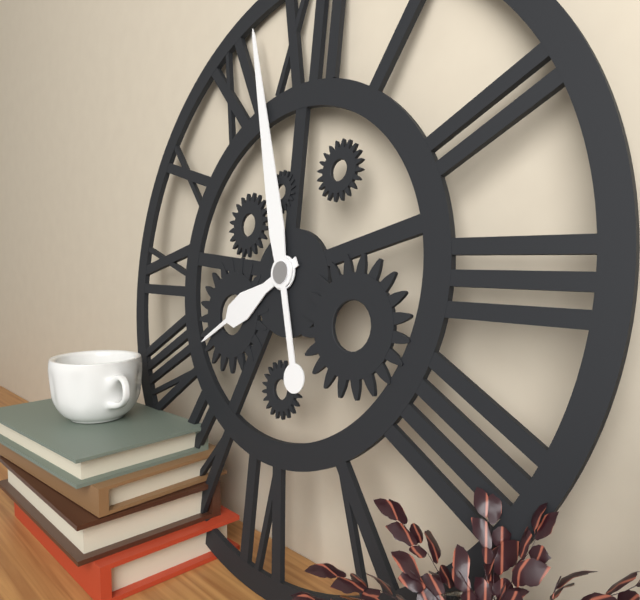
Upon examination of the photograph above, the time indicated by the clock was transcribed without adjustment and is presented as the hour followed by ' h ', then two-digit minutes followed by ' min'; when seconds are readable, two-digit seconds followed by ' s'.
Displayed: 7 h 57 min
